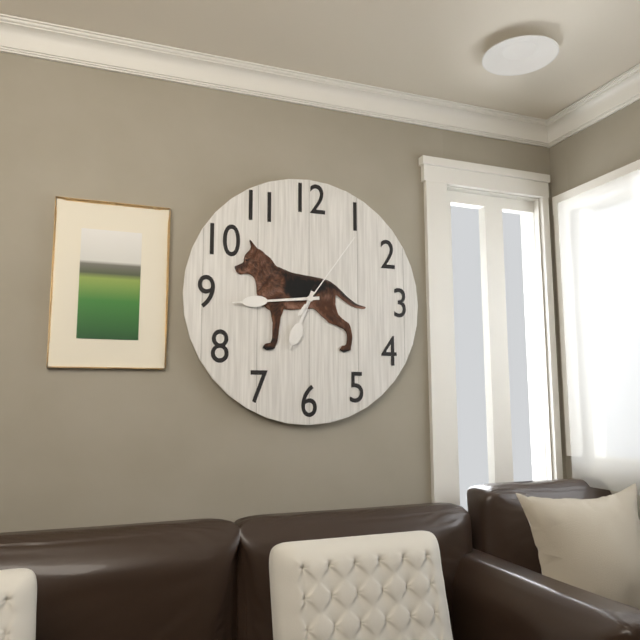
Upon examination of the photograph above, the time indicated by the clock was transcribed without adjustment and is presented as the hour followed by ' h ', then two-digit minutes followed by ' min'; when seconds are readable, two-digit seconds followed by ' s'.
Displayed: 6 h 44 min 06 s
